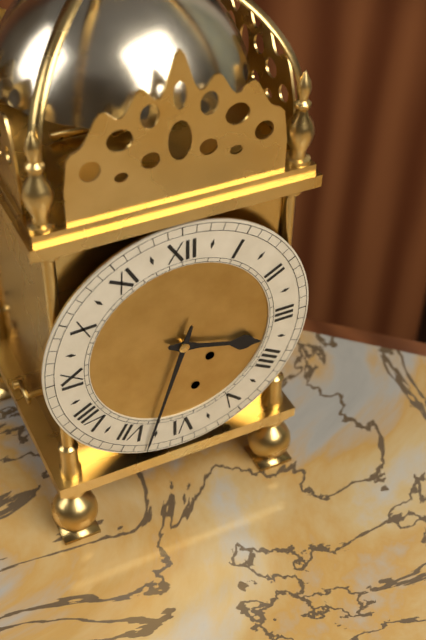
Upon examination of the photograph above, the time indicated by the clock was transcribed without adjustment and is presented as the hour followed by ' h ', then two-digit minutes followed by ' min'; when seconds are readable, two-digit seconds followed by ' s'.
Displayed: 3 h 33 min
